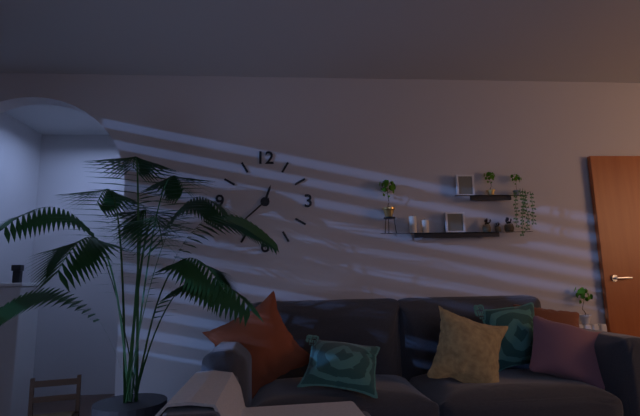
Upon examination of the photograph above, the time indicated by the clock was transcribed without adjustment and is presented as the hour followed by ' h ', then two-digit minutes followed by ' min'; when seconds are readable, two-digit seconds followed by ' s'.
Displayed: 12 h 38 min
